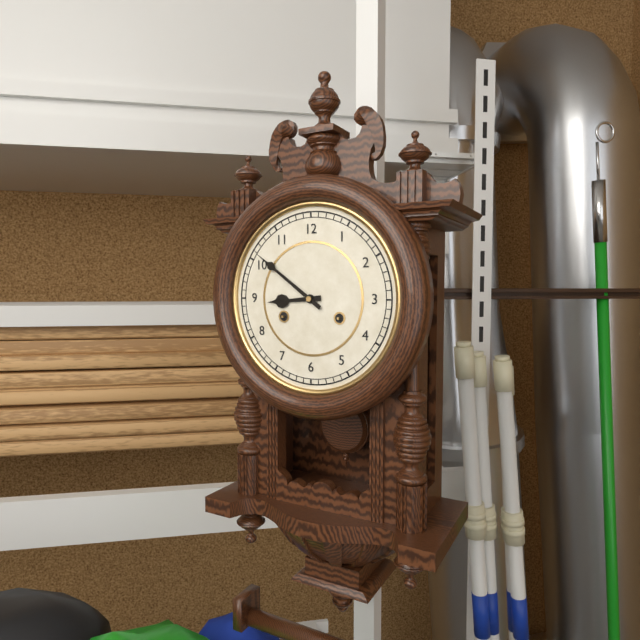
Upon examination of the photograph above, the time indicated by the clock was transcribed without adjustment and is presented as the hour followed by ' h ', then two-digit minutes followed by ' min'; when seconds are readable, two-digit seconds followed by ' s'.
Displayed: 8 h 51 min
